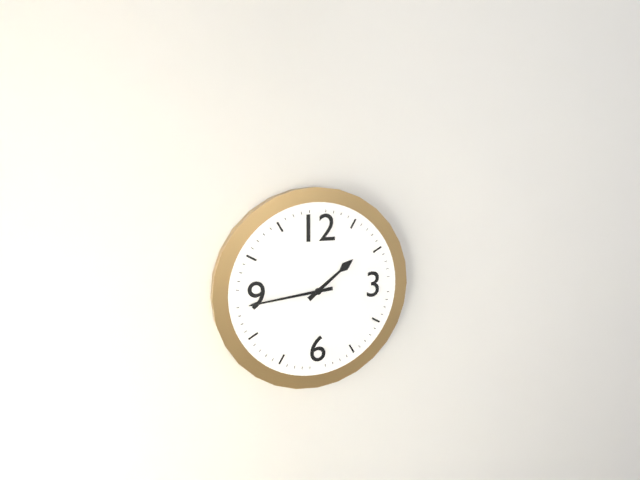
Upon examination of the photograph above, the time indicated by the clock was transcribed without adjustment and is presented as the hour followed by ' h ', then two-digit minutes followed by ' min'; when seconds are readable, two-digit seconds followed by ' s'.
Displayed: 1 h 44 min
